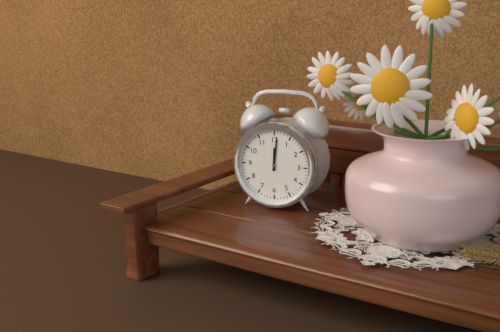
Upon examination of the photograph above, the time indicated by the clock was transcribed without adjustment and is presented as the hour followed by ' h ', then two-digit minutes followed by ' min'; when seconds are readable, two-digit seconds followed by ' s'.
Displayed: 12 h 01 min
